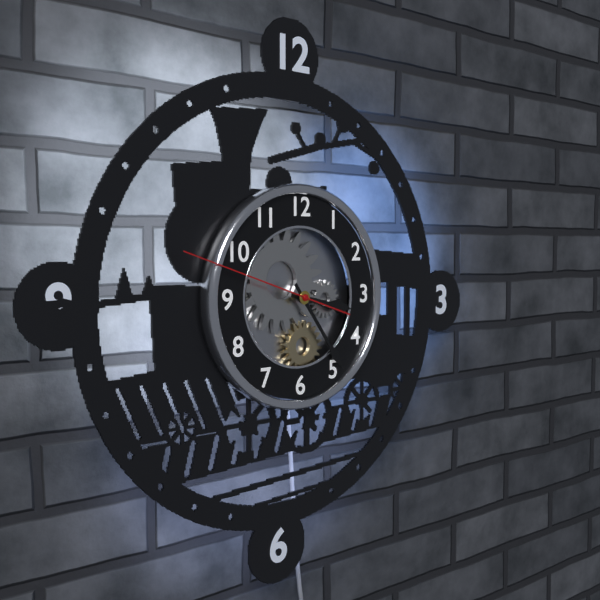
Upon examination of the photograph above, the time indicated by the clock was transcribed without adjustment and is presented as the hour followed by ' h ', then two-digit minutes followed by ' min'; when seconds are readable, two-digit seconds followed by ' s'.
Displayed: 3 h 24 min 48 s
